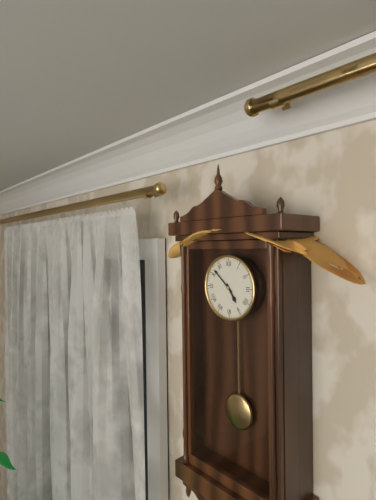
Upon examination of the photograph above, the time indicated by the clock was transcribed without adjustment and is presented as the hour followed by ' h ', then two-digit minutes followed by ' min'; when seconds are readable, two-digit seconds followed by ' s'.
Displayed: 4 h 52 min
